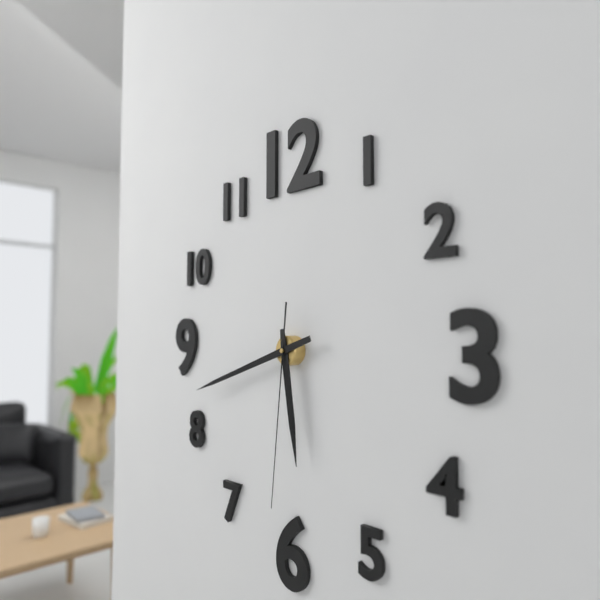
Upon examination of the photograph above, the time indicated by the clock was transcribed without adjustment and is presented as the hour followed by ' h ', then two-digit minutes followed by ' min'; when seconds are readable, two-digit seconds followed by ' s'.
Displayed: 5 h 42 min 31 s
